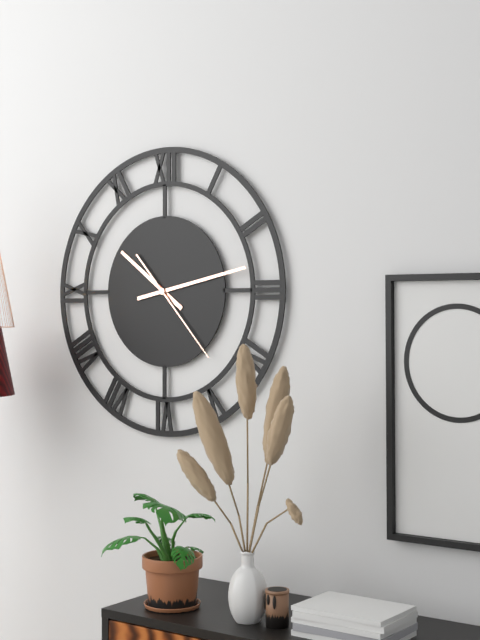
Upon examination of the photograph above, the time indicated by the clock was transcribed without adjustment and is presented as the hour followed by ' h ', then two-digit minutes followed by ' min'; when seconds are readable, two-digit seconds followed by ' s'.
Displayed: 10 h 13 min 23 s
